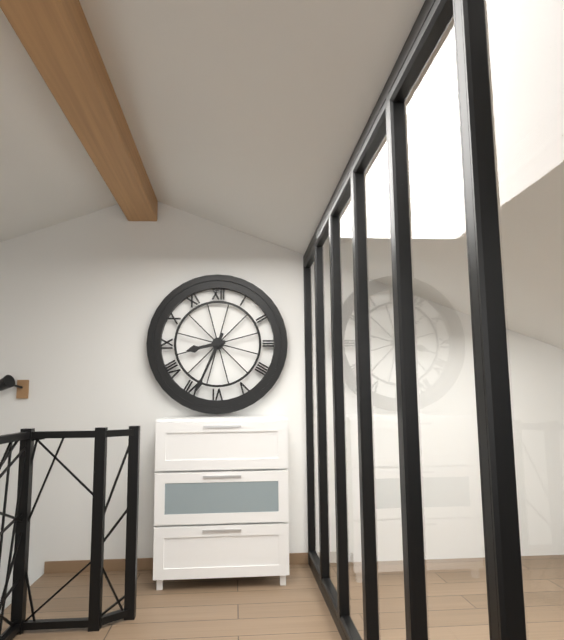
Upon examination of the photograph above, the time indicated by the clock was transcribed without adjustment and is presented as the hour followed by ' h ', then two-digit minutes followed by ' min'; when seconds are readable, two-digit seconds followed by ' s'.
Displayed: 8 h 34 min
